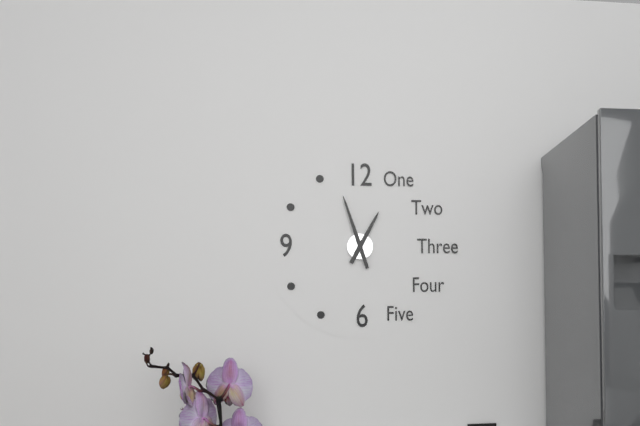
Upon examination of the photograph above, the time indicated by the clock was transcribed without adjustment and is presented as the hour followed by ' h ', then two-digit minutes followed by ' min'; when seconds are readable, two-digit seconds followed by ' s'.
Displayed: 12 h 57 min
